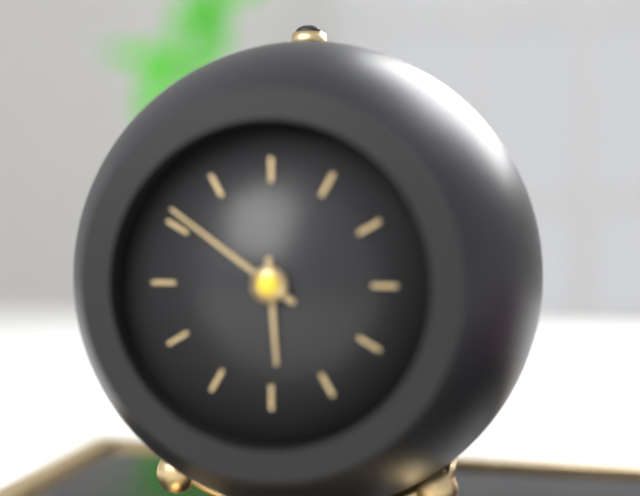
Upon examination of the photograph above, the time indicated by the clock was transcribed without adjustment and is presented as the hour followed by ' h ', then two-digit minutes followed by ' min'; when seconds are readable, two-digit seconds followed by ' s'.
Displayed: 5 h 51 min
